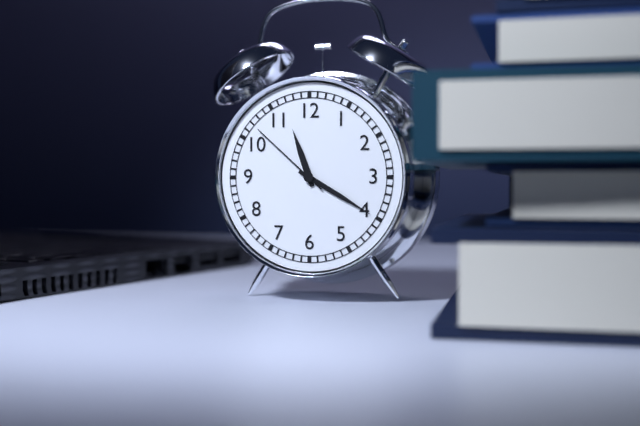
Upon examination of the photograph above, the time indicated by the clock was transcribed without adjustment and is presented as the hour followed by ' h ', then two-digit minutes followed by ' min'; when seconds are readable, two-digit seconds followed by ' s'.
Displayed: 11 h 20 min 52 s
